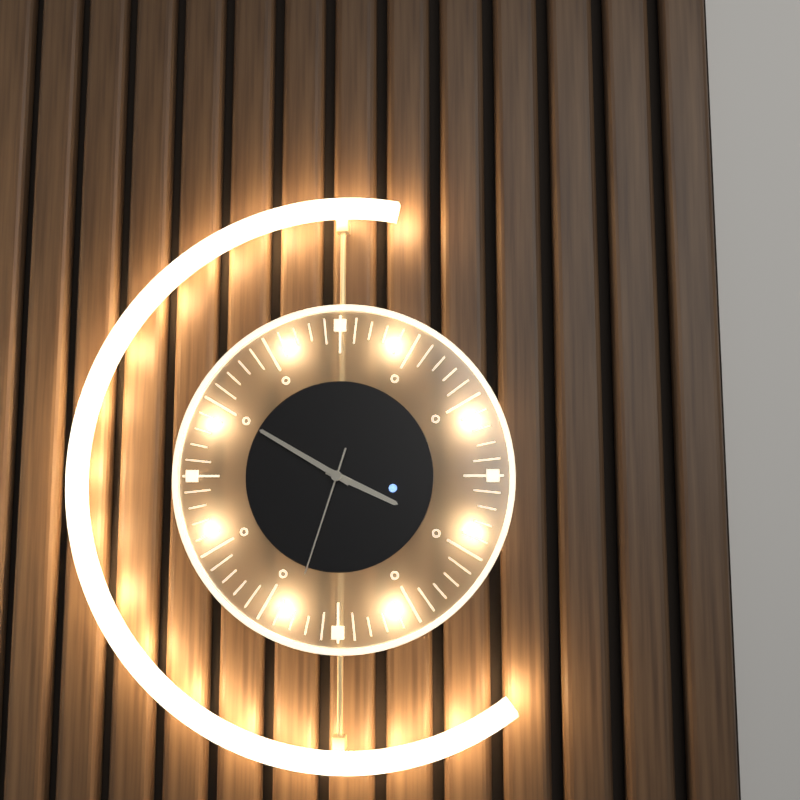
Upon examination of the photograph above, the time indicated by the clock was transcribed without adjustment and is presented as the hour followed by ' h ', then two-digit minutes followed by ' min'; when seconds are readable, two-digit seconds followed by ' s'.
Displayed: 3 h 50 min 33 s
